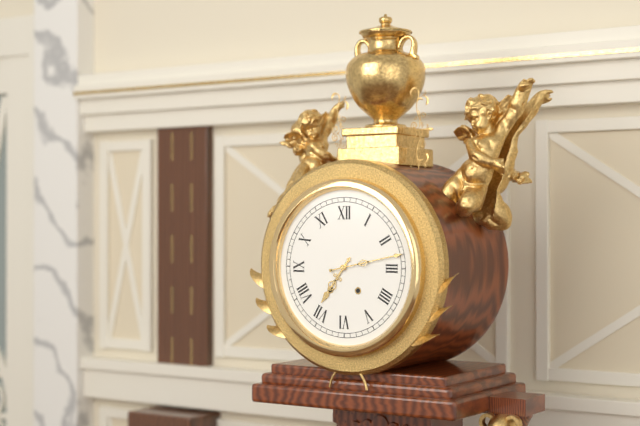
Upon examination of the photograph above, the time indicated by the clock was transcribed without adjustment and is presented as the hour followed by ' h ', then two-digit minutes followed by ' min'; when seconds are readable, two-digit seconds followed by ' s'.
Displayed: 7 h 13 min
